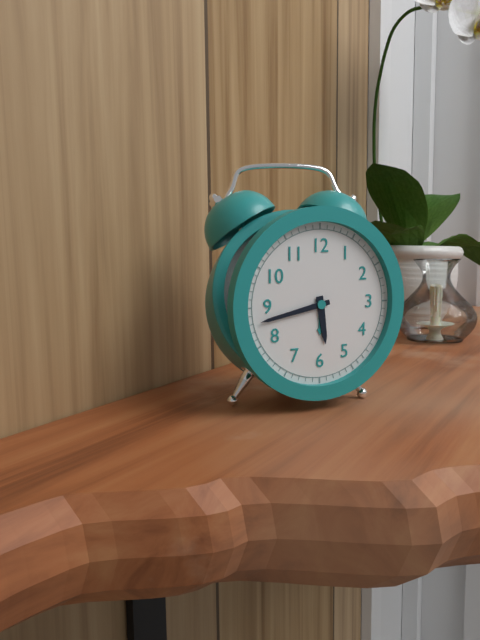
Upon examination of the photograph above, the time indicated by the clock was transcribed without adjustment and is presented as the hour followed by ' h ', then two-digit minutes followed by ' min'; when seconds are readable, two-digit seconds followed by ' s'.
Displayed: 5 h 43 min
